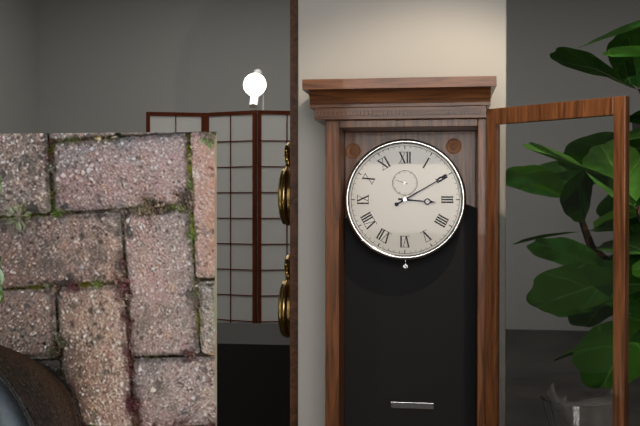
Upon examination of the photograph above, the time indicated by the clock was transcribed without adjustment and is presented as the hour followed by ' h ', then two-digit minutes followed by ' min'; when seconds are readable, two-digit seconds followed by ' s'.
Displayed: 3 h 10 min
